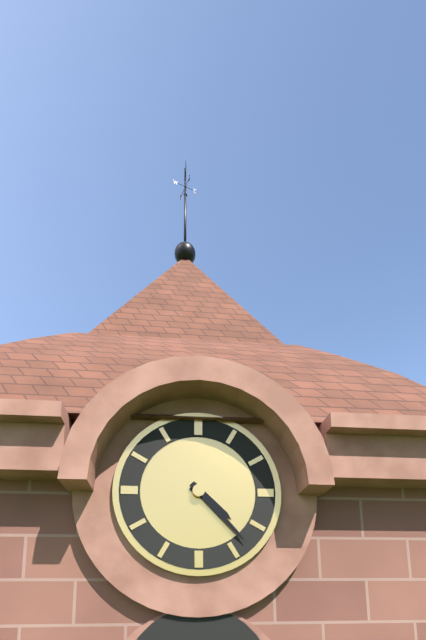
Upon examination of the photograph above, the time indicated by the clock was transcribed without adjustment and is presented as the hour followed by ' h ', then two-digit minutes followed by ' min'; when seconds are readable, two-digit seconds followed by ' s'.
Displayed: 4 h 23 min
